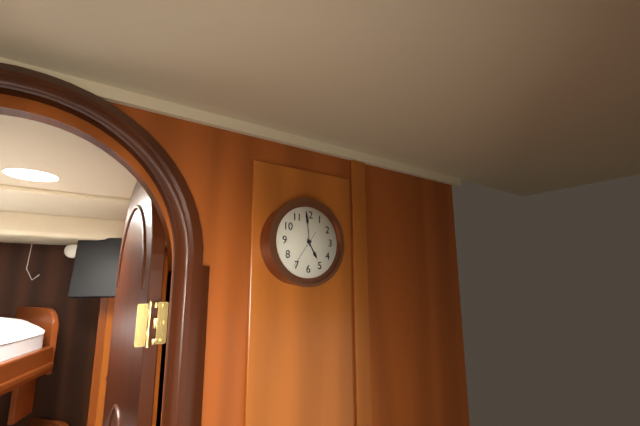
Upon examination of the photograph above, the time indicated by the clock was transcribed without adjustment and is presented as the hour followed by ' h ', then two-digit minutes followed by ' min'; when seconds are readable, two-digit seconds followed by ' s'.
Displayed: 4 h 59 min
